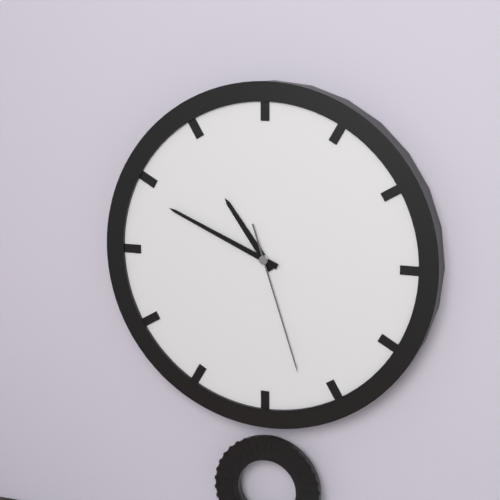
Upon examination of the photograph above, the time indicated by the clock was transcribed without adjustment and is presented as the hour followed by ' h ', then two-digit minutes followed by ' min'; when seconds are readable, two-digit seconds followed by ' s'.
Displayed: 10 h 49 min 27 s
